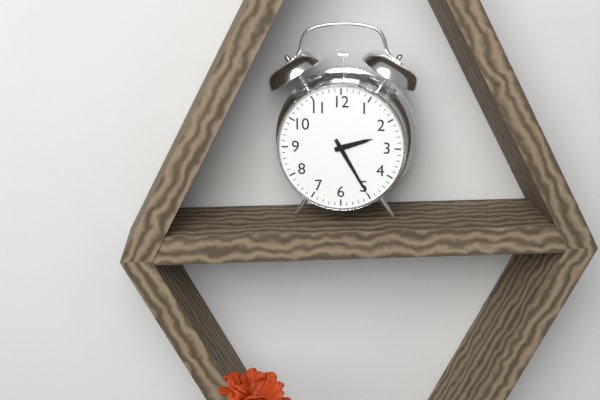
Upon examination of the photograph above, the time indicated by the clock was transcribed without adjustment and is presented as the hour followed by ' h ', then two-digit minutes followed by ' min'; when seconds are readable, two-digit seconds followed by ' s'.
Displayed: 2 h 25 min
